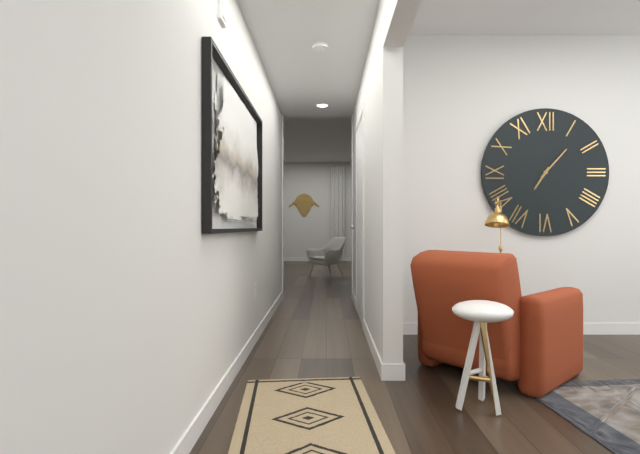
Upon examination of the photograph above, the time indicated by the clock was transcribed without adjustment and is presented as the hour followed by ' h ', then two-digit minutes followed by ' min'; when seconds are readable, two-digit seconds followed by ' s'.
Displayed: 7 h 07 min
